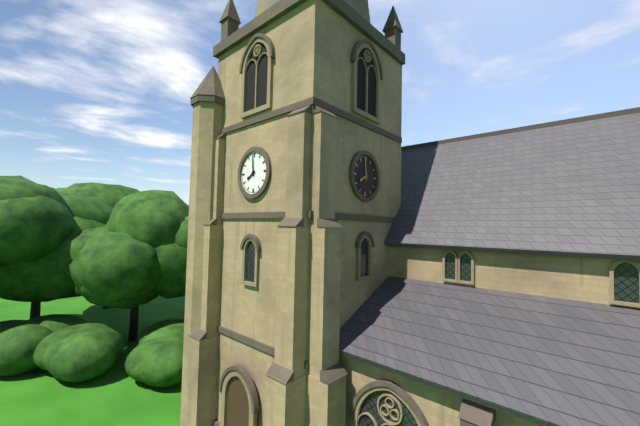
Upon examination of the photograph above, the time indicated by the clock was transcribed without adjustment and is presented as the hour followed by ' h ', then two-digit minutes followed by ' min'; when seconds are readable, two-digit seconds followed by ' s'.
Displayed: 7 h 59 min
